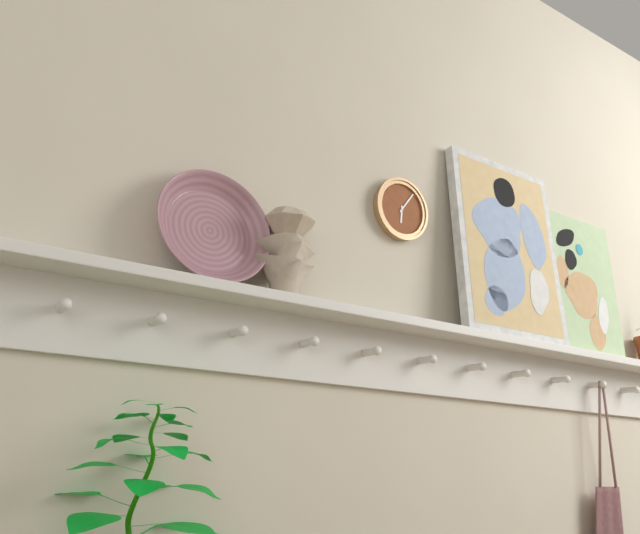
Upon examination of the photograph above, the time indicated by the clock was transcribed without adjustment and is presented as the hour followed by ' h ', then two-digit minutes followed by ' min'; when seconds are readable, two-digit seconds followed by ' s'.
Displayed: 6 h 06 min
